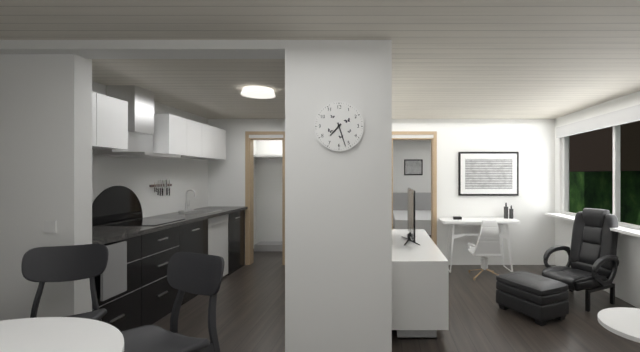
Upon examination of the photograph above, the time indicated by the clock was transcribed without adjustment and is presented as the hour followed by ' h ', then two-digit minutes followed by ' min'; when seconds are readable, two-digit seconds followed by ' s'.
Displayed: 7 h 27 min
